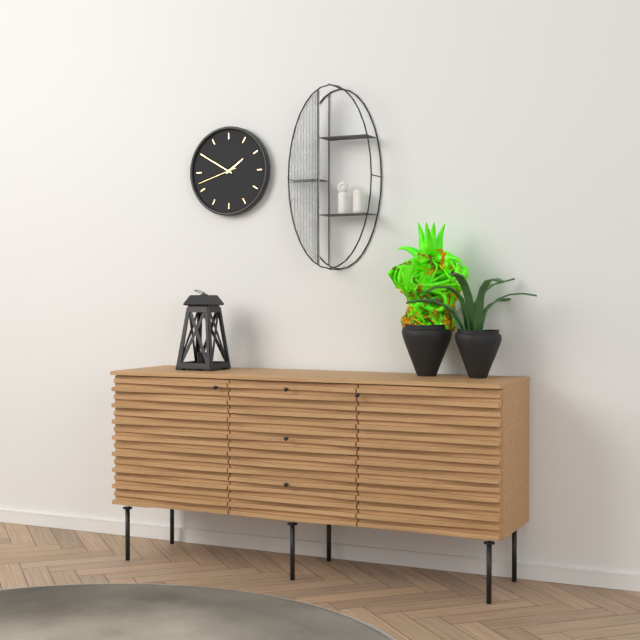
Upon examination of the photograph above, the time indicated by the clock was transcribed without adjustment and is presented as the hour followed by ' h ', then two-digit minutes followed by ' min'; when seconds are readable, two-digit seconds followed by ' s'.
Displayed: 1 h 50 min
